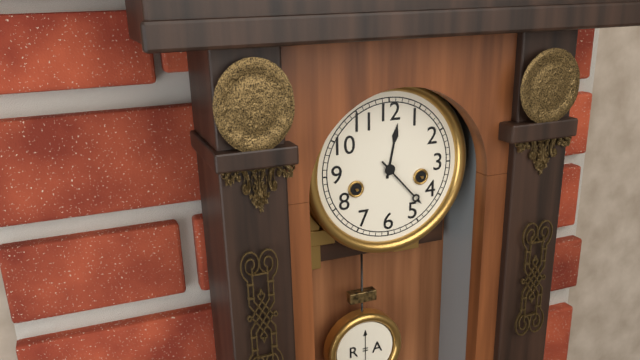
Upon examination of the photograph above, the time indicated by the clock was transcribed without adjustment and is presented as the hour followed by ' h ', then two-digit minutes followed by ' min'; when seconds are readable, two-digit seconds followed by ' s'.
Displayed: 12 h 23 min
